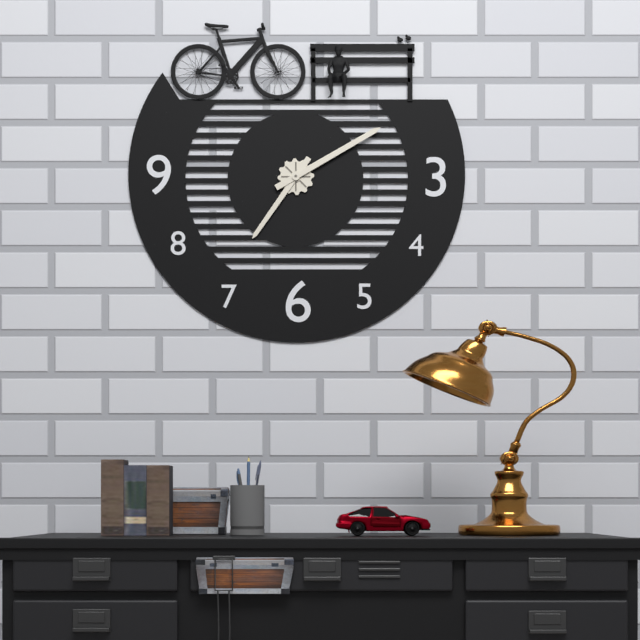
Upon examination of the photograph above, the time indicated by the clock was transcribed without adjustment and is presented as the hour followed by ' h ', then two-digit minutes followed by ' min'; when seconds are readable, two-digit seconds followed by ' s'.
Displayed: 7 h 10 min
